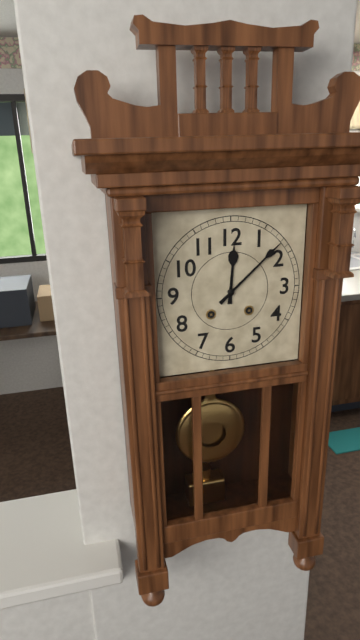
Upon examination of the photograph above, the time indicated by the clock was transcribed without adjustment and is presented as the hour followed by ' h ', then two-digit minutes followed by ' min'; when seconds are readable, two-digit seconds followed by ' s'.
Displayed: 12 h 08 min
